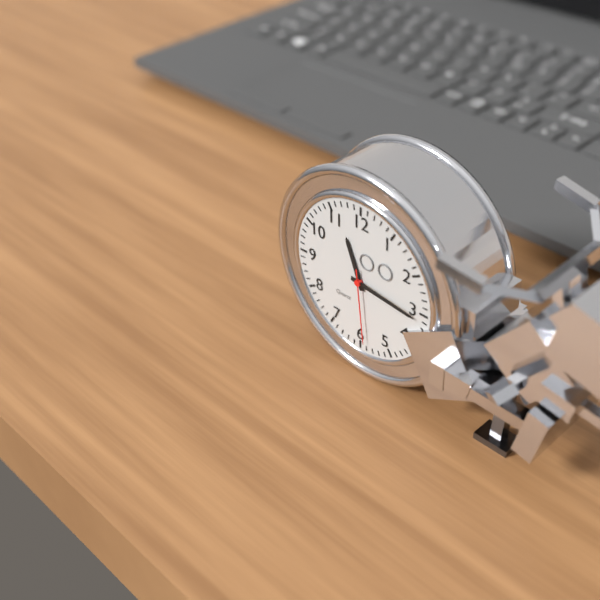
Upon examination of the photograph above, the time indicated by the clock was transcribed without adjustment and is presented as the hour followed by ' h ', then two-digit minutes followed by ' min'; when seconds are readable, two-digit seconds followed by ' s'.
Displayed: 11 h 16 min 29 s
